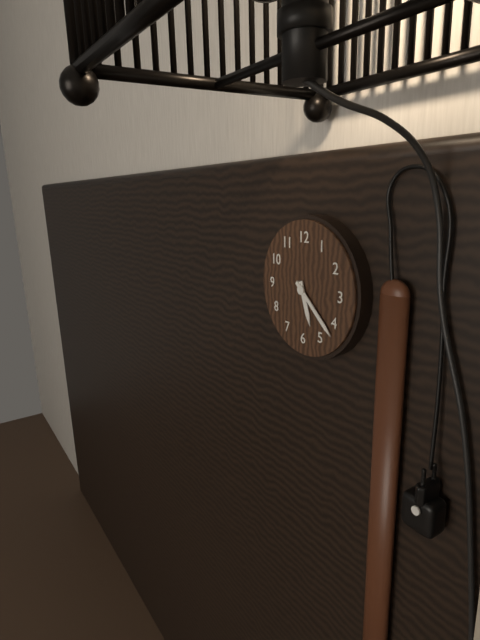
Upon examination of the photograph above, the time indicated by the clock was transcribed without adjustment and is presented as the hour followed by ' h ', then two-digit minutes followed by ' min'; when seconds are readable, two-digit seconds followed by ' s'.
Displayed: 5 h 22 min
